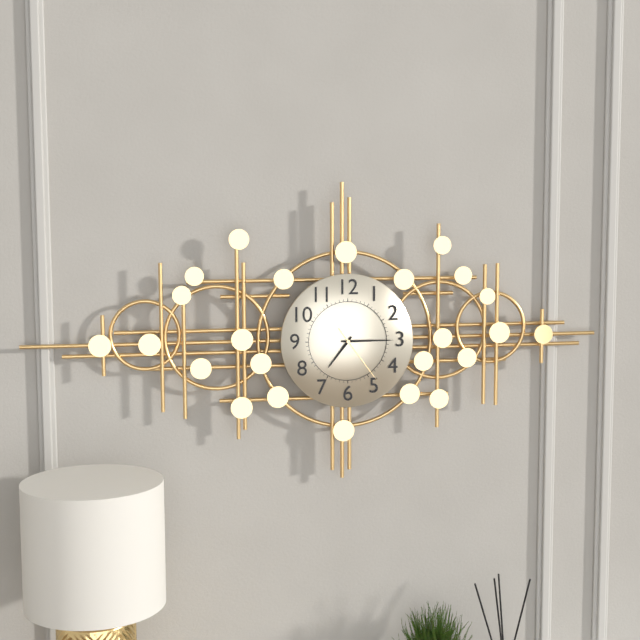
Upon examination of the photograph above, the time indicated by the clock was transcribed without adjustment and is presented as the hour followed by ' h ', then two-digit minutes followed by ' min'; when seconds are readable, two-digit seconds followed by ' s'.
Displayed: 7 h 15 min 24 s
